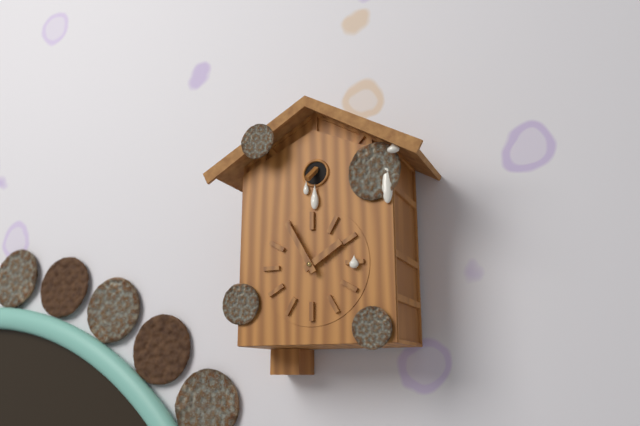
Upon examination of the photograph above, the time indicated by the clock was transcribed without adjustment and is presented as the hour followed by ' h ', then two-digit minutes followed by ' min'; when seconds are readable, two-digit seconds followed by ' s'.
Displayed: 1 h 55 min
